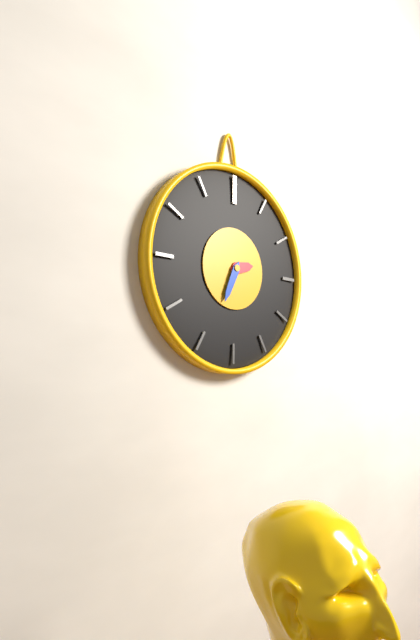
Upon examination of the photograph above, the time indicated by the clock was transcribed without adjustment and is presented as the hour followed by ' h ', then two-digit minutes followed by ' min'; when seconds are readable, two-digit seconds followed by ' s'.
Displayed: 2 h 34 min
